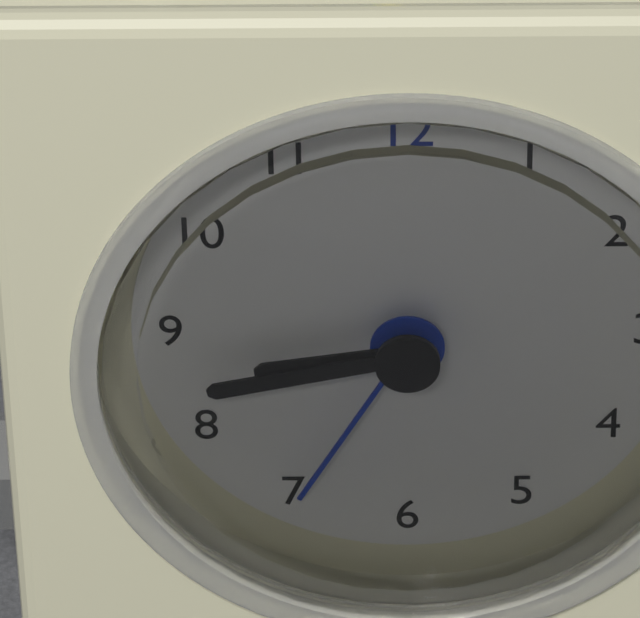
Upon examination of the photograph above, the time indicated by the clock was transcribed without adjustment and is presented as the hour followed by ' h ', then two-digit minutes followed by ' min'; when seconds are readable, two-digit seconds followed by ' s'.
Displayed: 8 h 43 min 35 s
